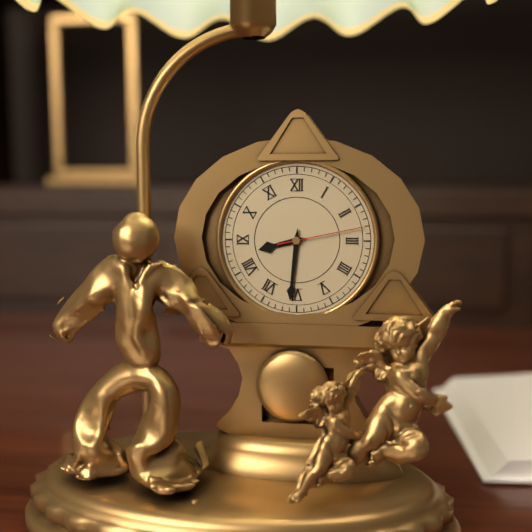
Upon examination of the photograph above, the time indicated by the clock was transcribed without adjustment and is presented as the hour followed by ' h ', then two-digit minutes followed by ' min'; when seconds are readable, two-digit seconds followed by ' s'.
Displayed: 8 h 31 min 13 s
